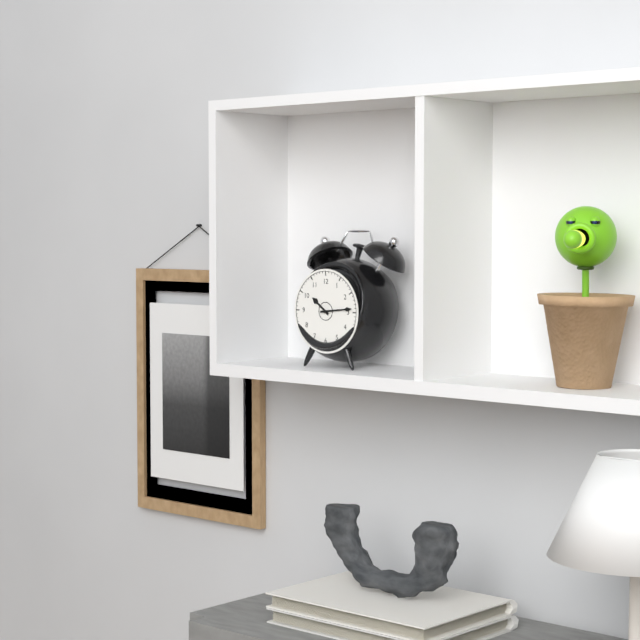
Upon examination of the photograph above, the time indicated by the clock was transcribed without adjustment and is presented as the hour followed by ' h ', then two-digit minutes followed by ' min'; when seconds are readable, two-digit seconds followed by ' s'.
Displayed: 10 h 14 min
